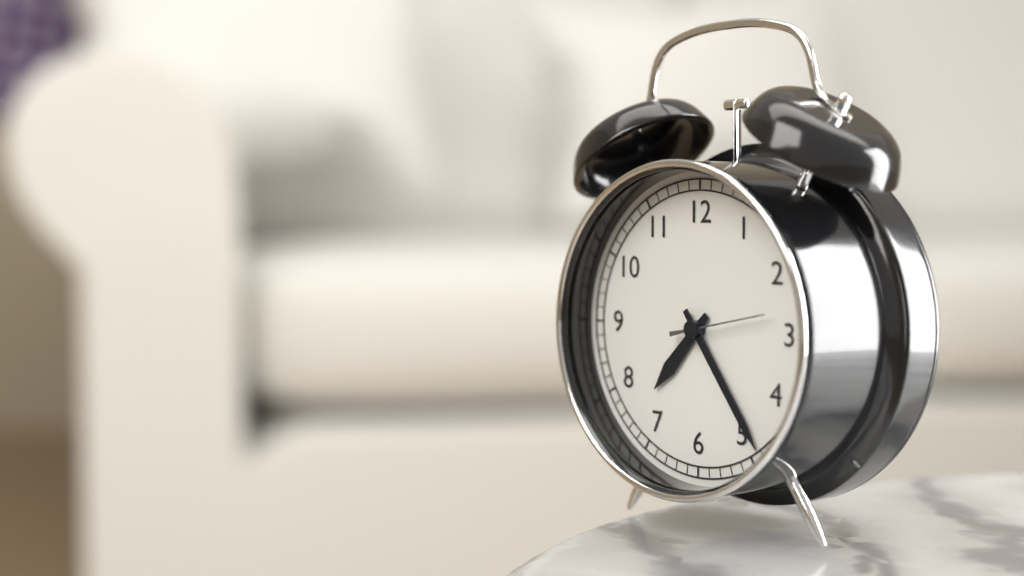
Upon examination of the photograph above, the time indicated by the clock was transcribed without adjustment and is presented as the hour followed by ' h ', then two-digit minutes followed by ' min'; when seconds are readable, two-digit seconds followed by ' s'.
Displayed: 7 h 24 min 13 s
